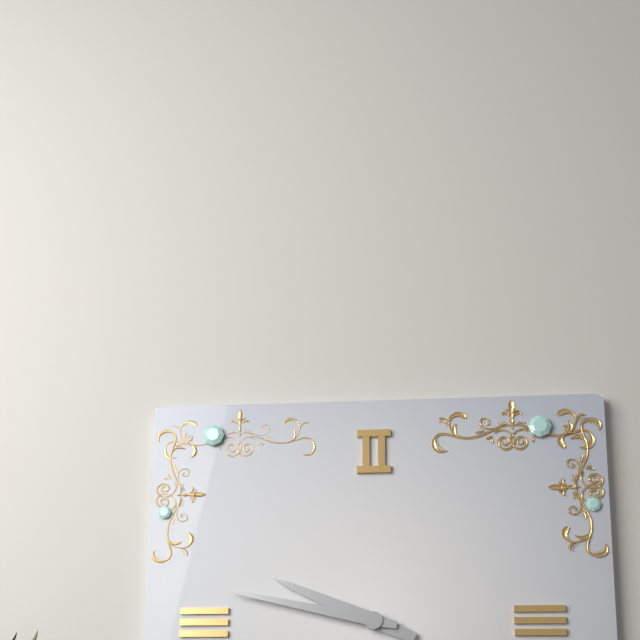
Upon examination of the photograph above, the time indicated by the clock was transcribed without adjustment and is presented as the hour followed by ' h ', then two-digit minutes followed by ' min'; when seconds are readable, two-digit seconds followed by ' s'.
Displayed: 9 h 47 min
